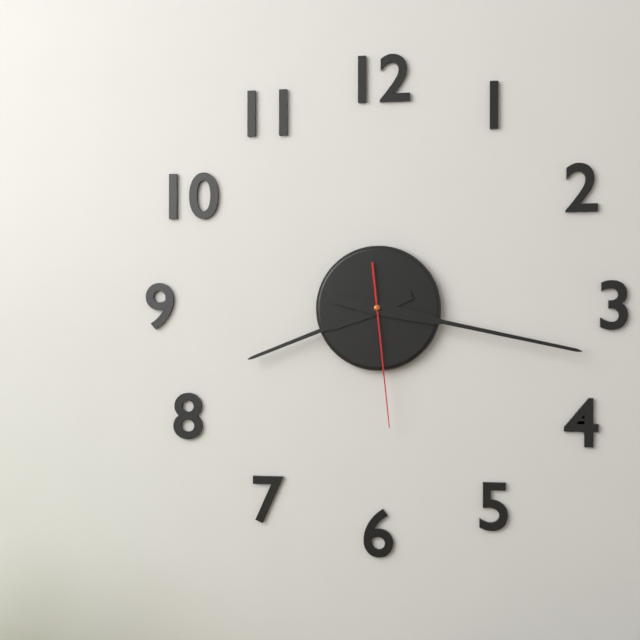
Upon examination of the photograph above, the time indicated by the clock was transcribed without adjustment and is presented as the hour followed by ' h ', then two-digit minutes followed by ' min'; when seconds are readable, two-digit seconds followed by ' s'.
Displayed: 8 h 17 min 29 s
